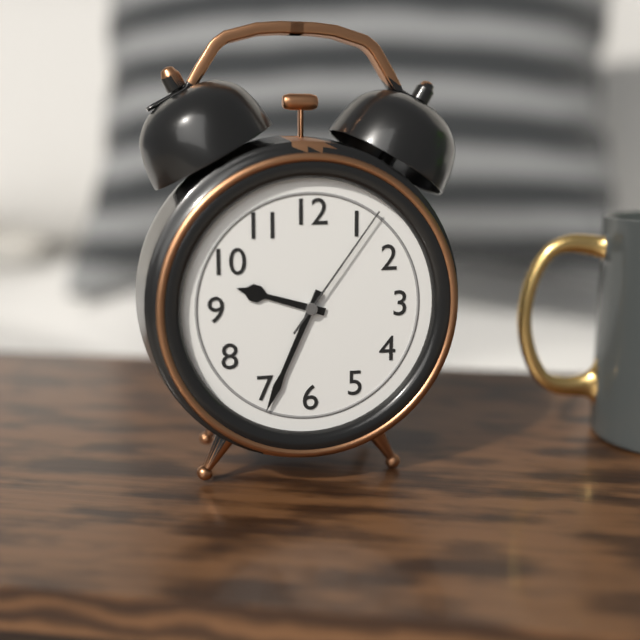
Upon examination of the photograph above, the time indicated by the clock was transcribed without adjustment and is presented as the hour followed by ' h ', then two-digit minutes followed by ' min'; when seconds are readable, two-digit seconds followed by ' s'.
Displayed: 9 h 34 min 06 s
